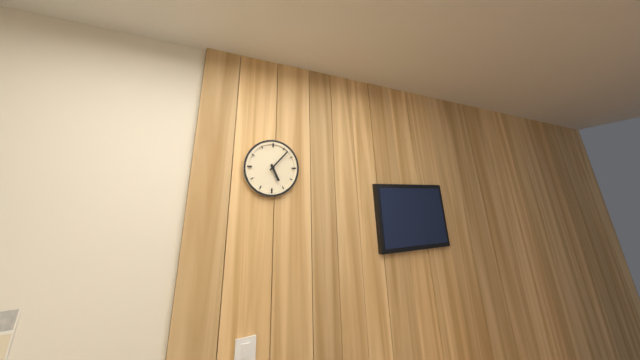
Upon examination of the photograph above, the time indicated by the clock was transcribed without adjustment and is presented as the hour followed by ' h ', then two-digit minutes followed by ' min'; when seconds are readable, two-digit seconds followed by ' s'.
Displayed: 5 h 07 min
